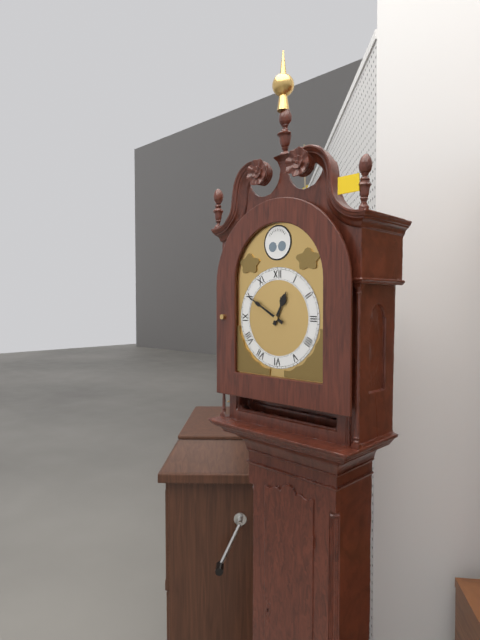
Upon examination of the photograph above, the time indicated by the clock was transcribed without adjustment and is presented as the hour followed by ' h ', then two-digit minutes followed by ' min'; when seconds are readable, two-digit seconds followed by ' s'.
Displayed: 12 h 50 min
